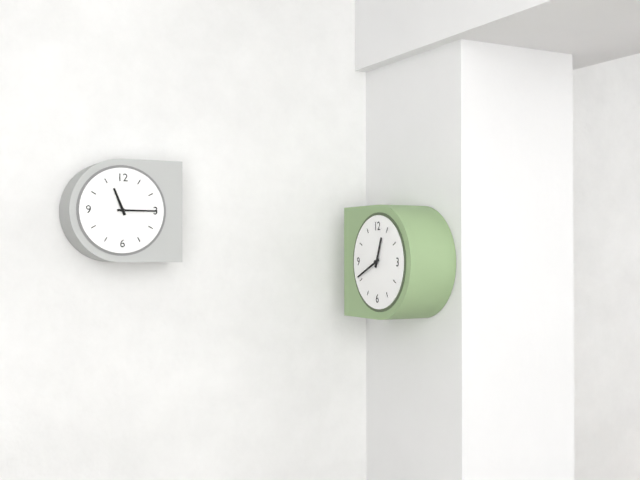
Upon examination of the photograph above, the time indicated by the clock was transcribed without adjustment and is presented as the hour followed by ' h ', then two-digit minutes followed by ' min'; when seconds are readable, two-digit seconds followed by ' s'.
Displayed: 12 h 41 min
